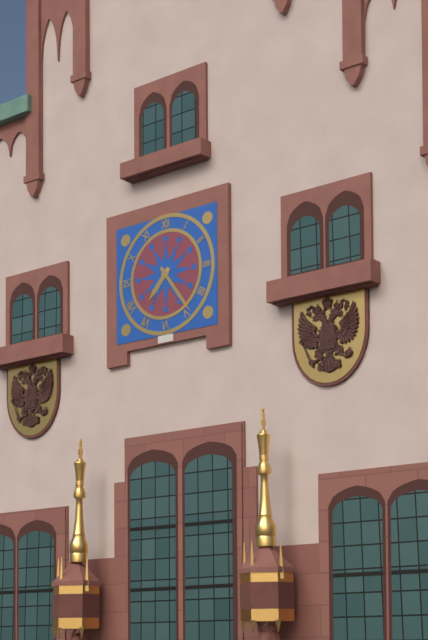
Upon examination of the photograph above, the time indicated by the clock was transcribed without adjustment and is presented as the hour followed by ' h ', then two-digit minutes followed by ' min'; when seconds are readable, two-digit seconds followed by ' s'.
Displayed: 7 h 24 min
